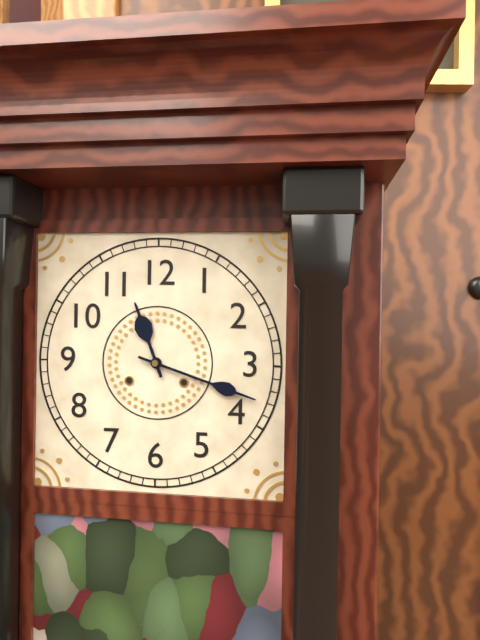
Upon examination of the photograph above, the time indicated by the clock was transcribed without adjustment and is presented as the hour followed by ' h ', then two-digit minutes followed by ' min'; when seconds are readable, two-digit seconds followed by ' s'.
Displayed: 11 h 18 min
